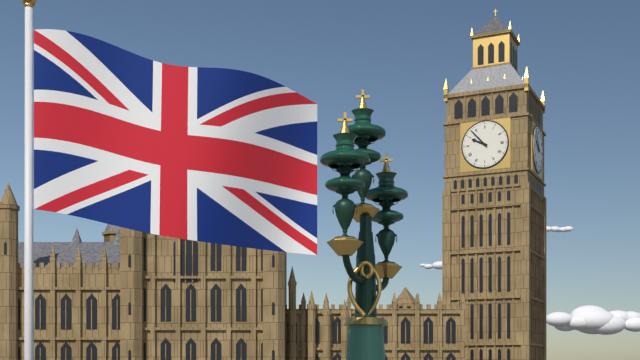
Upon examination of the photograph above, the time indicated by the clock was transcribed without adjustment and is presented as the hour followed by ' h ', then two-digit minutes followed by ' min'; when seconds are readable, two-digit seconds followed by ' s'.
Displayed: 9 h 53 min
